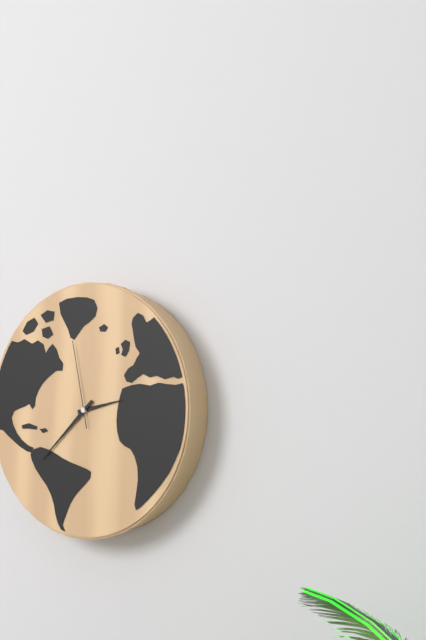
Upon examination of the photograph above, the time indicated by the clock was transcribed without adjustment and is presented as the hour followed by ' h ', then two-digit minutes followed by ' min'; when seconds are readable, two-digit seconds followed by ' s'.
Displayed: 2 h 38 min 58 s
